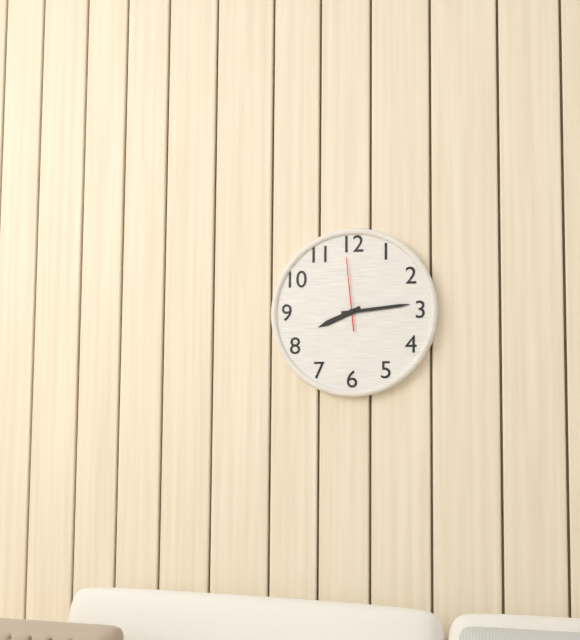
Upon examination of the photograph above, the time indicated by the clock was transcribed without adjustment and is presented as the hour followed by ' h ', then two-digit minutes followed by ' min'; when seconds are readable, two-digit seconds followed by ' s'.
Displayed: 8 h 14 min 59 s
